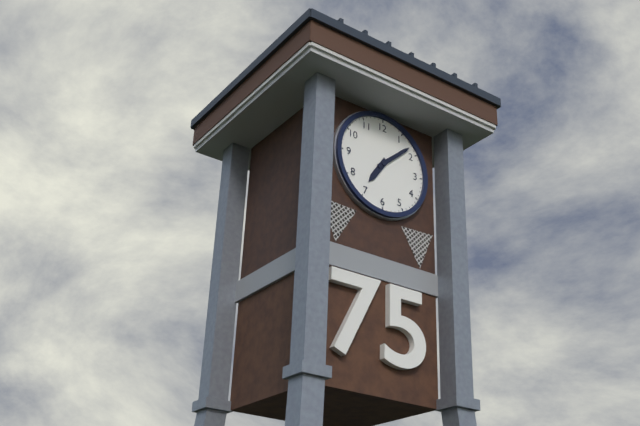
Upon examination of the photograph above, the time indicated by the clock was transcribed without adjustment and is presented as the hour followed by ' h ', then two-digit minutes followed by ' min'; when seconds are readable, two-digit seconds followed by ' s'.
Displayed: 7 h 08 min
